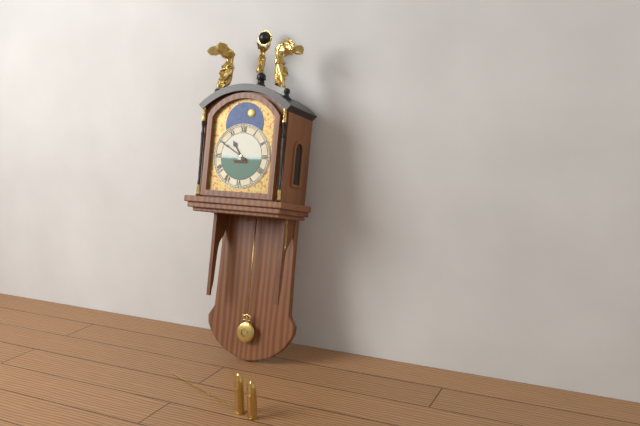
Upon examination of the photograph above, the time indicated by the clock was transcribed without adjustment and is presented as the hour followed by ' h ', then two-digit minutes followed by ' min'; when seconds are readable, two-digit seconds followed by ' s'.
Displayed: 10 h 50 min
